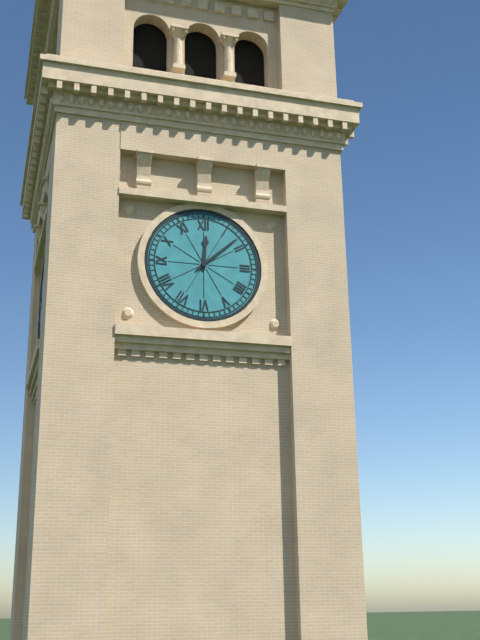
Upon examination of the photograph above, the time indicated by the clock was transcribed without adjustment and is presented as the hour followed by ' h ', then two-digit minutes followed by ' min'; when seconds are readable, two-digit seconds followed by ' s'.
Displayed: 12 h 08 min
